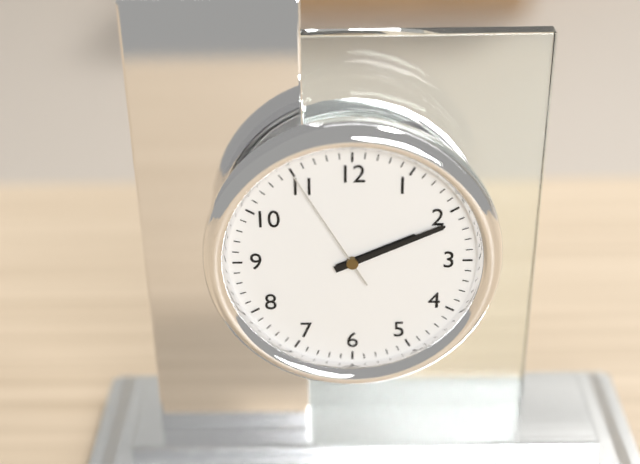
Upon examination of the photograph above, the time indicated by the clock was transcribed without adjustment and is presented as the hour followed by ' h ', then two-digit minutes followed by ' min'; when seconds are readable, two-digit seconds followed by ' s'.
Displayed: 2 h 11 min 55 s
